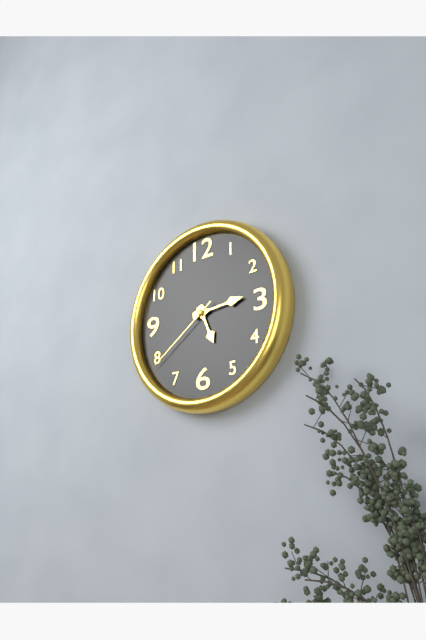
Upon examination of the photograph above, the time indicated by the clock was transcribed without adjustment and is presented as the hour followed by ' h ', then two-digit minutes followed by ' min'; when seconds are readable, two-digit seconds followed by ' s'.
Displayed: 5 h 14 min 39 s
